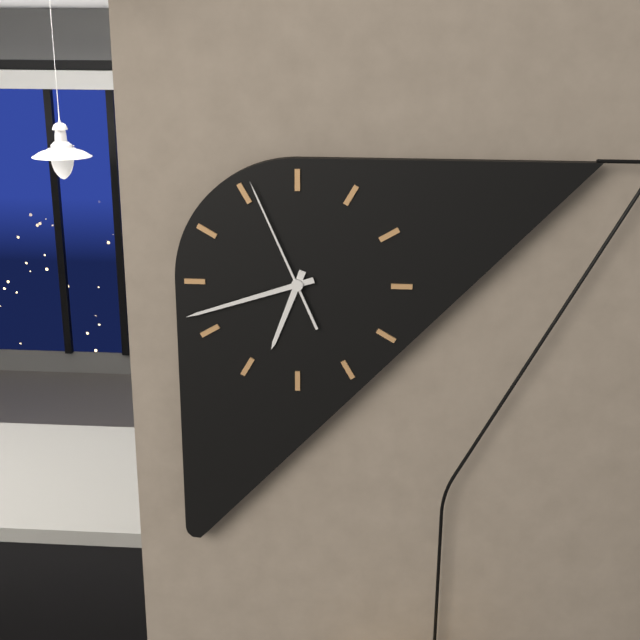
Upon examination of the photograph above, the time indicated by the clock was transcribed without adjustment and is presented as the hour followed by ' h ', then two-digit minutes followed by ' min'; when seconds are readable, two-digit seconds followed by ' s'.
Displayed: 6 h 42 min 56 s
